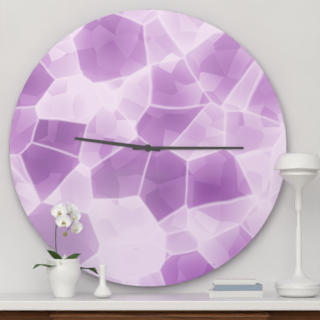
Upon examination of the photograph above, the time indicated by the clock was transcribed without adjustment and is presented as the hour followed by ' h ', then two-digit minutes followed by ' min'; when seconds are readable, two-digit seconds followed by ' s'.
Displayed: 9 h 15 min
